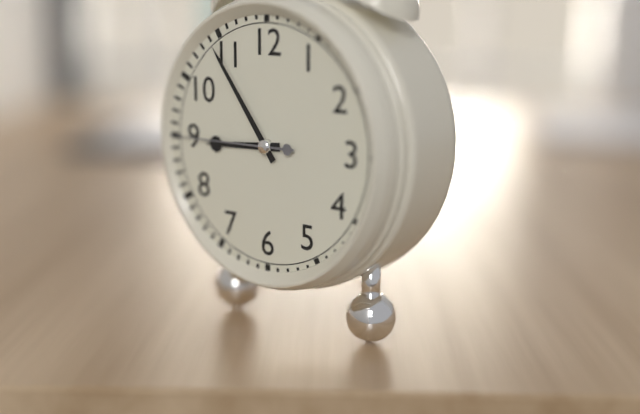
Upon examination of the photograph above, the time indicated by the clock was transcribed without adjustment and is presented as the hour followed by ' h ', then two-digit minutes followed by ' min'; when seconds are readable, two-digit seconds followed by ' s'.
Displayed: 8 h 54 min 45 s
